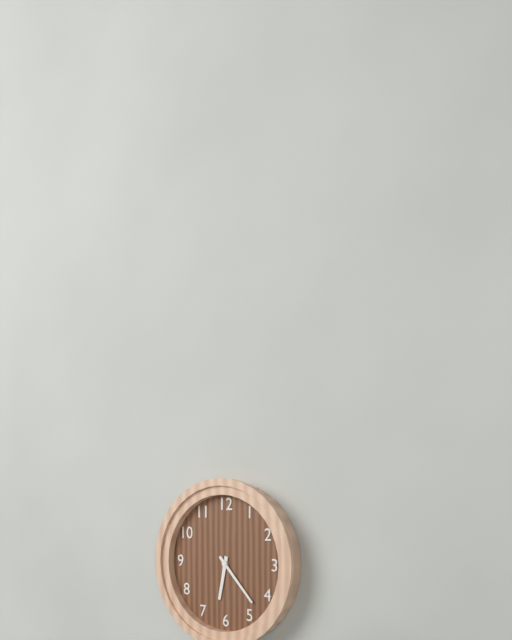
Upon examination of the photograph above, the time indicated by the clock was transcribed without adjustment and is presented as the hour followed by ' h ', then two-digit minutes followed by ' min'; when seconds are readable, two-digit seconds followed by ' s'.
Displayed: 6 h 23 min
